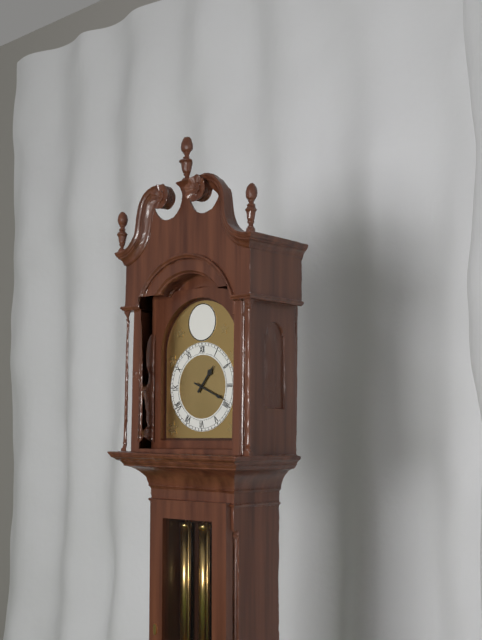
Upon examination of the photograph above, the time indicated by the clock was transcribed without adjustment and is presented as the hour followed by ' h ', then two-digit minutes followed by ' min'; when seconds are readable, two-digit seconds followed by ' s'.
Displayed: 1 h 19 min
